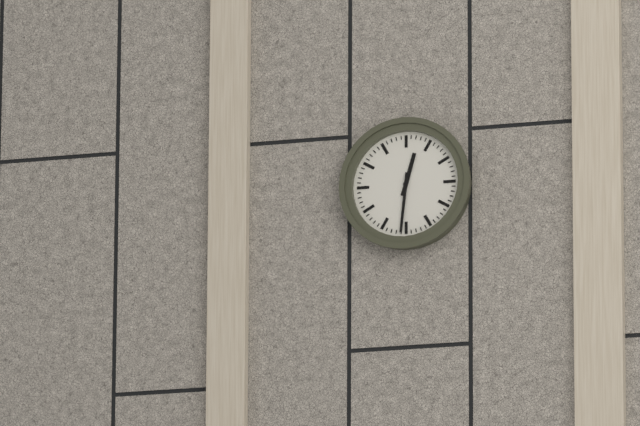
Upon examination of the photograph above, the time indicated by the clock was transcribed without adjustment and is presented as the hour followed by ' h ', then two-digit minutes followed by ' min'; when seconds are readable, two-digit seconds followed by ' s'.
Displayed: 12 h 31 min
